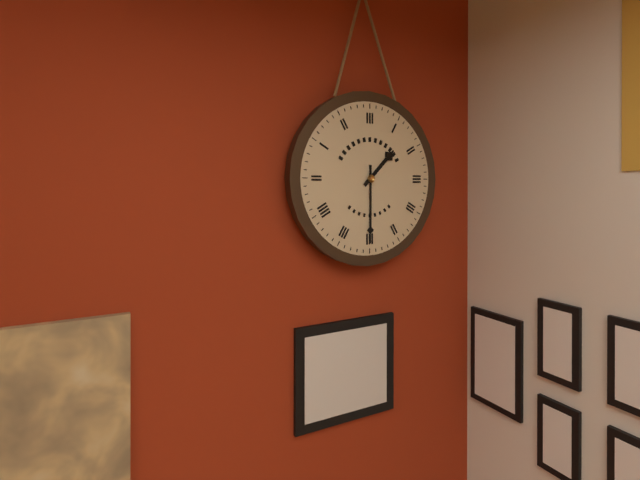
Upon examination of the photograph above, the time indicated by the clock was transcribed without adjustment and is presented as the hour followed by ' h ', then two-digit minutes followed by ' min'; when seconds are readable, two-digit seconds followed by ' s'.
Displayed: 1 h 30 min
